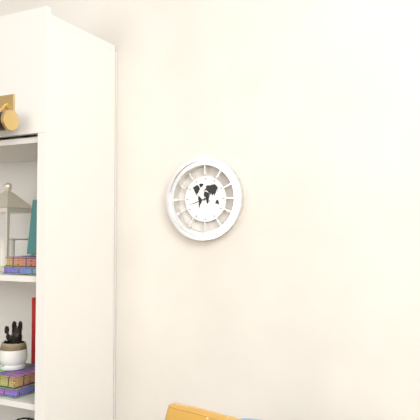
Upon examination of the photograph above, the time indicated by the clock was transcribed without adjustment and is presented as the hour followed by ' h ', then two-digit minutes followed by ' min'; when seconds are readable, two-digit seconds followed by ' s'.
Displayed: 1 h 42 min
